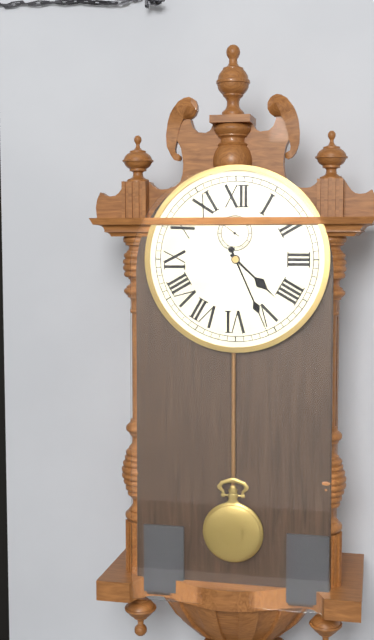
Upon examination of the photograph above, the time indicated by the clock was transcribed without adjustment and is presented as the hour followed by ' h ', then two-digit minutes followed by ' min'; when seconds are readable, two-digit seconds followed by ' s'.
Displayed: 4 h 26 min
